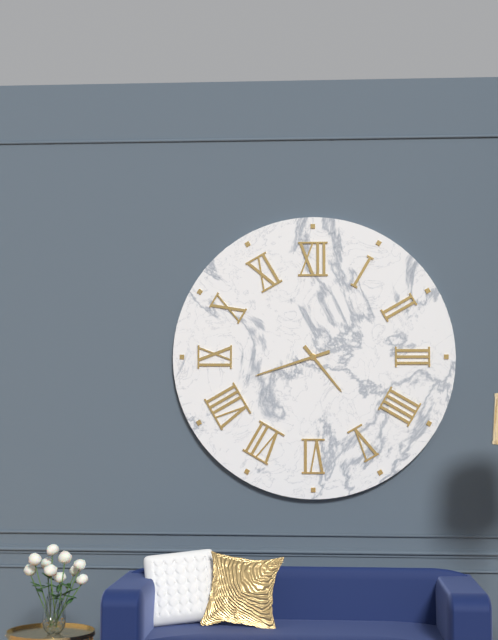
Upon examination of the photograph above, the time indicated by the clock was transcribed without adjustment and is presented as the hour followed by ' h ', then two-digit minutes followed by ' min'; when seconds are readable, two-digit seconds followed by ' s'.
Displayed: 4 h 42 min
